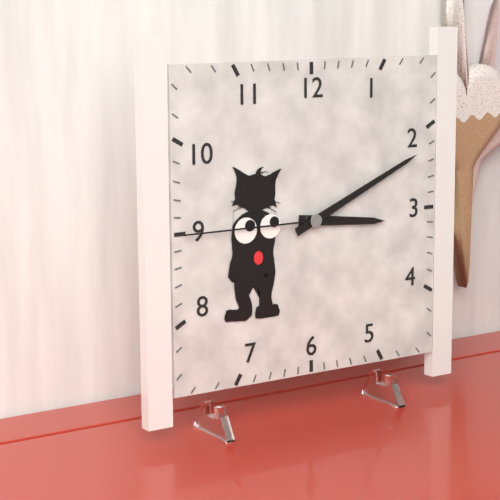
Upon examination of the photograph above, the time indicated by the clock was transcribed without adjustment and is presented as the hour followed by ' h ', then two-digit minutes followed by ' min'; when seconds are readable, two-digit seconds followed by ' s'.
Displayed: 3 h 11 min 45 s
